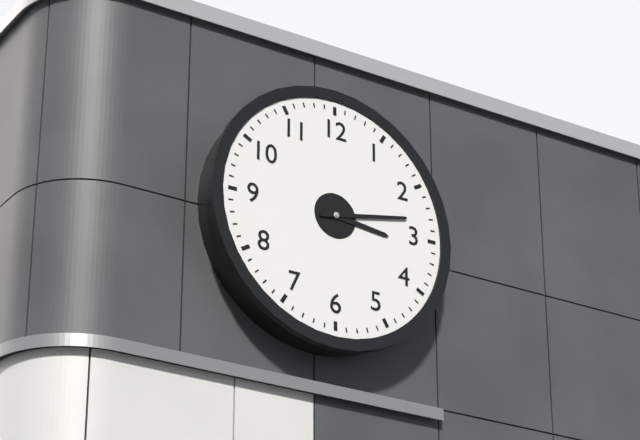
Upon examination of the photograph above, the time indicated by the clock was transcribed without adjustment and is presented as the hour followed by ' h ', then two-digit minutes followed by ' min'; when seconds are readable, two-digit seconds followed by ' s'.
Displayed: 3 h 13 min
